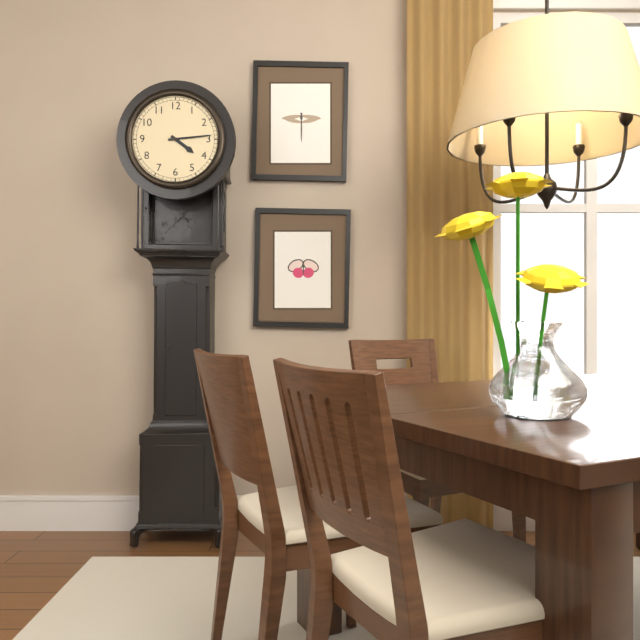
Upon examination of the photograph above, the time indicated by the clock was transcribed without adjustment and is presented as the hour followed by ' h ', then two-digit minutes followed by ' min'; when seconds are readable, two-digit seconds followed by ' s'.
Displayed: 4 h 14 min
